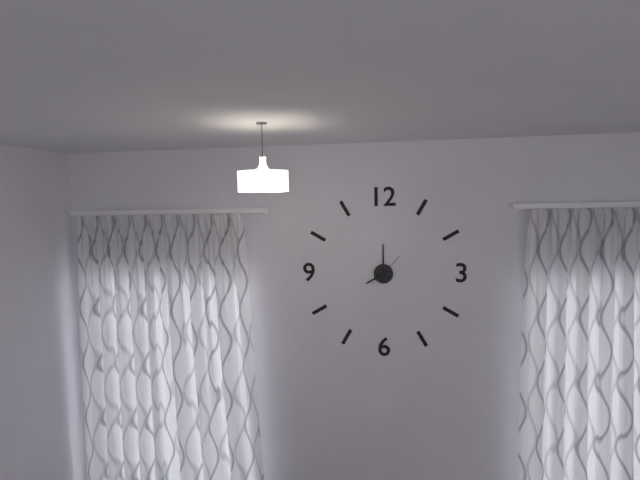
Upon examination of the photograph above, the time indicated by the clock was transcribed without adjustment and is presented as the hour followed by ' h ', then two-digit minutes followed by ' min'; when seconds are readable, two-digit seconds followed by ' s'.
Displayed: 8 h 00 min
